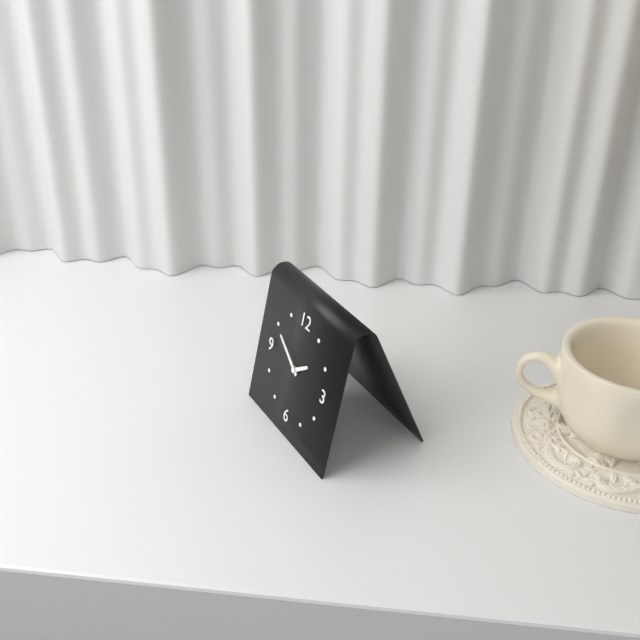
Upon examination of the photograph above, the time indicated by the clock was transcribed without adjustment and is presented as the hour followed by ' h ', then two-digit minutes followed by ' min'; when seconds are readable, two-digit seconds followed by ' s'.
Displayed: 1 h 50 min
